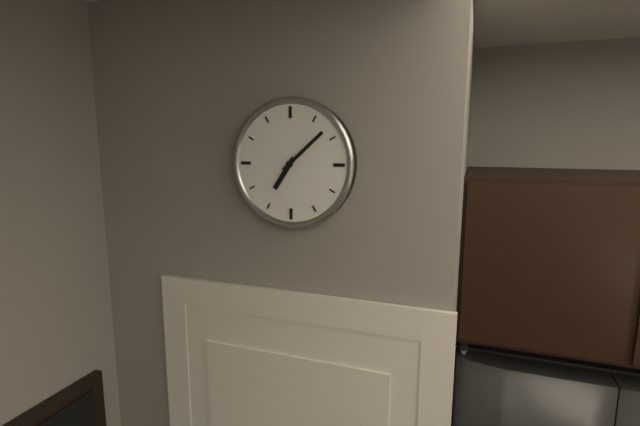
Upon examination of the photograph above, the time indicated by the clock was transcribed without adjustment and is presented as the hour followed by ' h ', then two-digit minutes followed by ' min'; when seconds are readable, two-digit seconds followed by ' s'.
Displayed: 7 h 08 min
